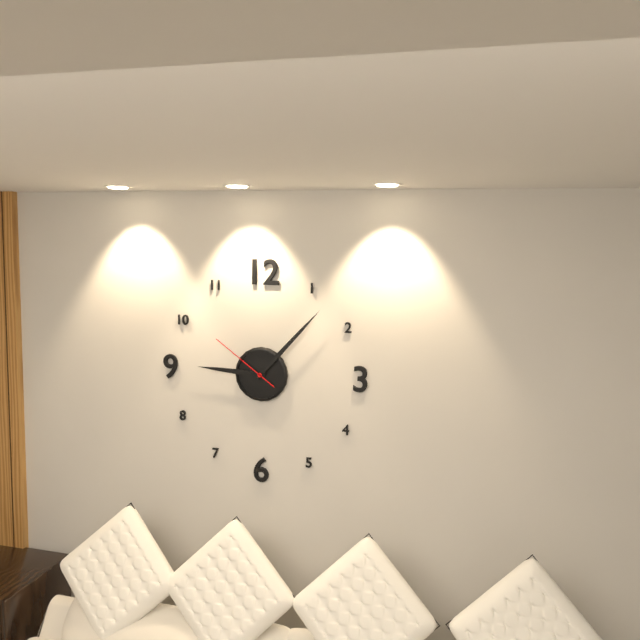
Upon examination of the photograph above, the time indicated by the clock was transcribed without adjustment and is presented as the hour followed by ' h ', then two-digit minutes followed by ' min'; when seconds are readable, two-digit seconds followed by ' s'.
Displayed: 9 h 07 min 51 s
